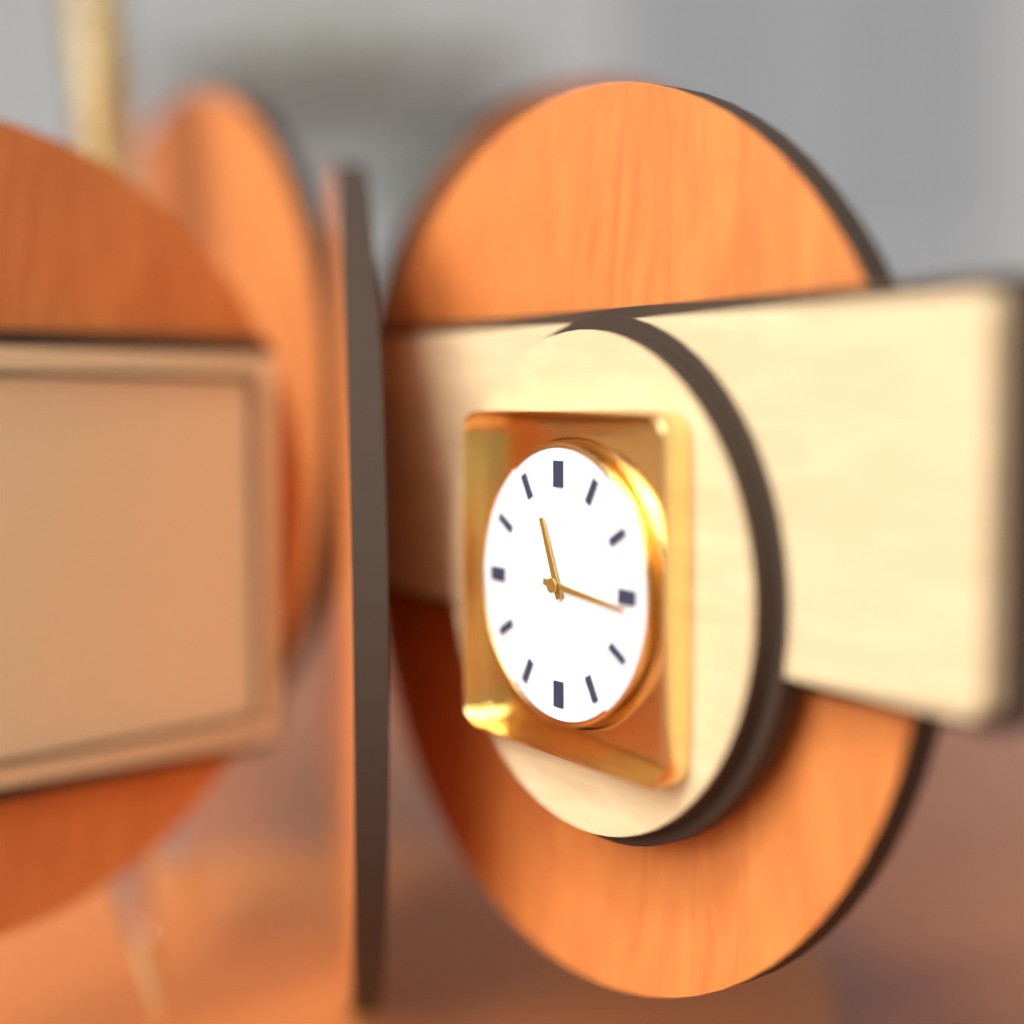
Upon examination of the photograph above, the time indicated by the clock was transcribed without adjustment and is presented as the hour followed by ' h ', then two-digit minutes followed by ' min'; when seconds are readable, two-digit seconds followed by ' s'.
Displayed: 11 h 16 min
